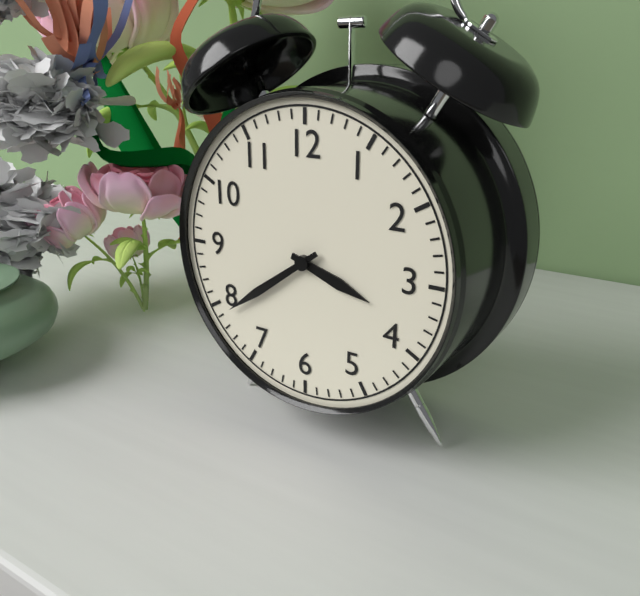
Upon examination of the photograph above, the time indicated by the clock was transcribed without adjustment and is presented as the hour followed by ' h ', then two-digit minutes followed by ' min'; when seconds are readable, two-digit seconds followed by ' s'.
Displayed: 3 h 39 min
